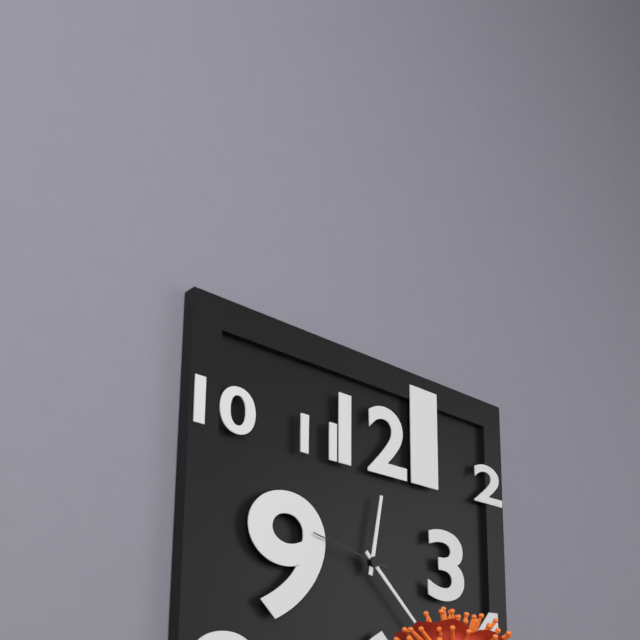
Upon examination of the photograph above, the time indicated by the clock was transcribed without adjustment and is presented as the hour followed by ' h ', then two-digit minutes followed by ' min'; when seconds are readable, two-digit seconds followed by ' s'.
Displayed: 12 h 22 min 47 s
